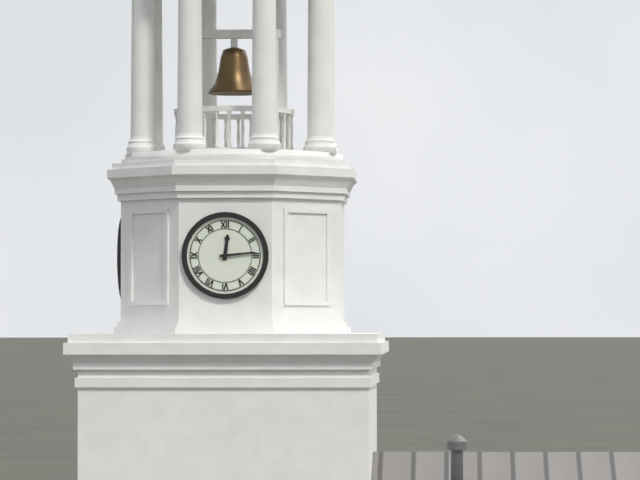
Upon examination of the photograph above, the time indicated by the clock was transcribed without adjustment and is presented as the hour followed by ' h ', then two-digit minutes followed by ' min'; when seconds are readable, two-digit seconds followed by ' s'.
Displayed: 12 h 14 min
